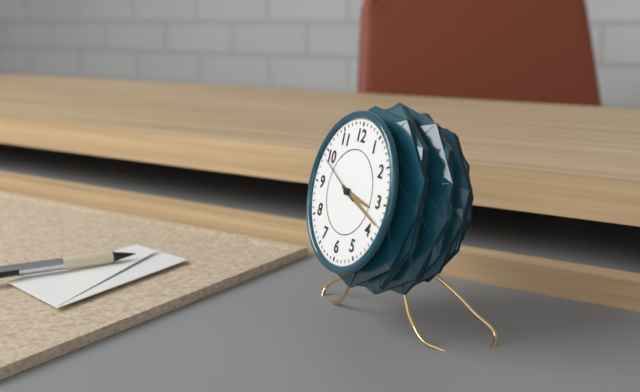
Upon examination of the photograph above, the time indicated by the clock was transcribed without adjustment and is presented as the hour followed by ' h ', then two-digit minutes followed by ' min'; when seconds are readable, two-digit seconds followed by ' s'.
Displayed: 3 h 18 min 49 s
